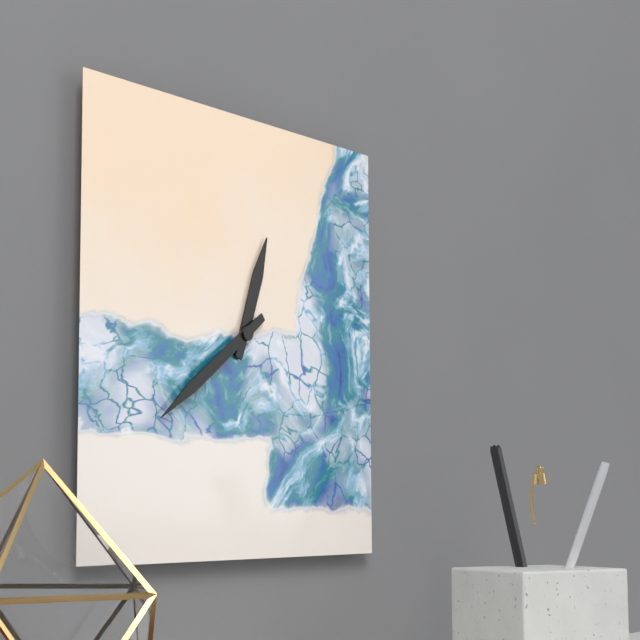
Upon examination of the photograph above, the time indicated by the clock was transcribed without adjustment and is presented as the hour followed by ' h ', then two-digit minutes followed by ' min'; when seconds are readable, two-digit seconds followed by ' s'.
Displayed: 12 h 39 min
